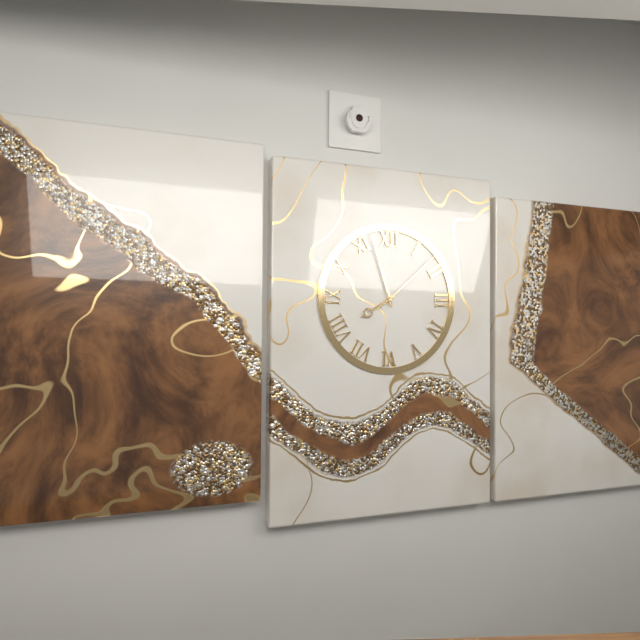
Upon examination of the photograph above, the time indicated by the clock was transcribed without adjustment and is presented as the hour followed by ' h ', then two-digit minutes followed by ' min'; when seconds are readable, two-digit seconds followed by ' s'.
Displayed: 7 h 57 min 08 s
